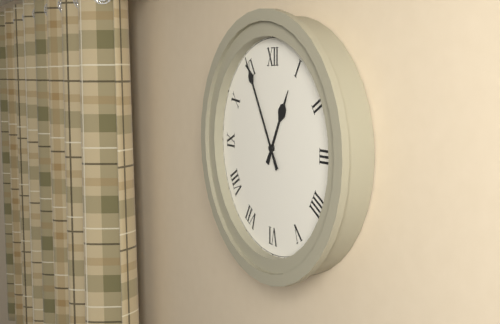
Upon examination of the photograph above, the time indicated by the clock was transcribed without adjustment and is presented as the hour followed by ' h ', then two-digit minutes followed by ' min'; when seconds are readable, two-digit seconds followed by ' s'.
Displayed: 12 h 55 min
